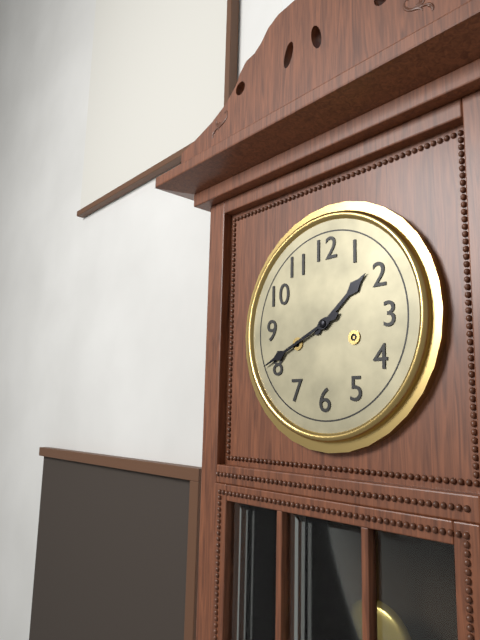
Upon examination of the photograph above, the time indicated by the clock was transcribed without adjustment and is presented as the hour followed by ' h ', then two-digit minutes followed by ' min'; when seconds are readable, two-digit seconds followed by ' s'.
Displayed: 1 h 41 min
